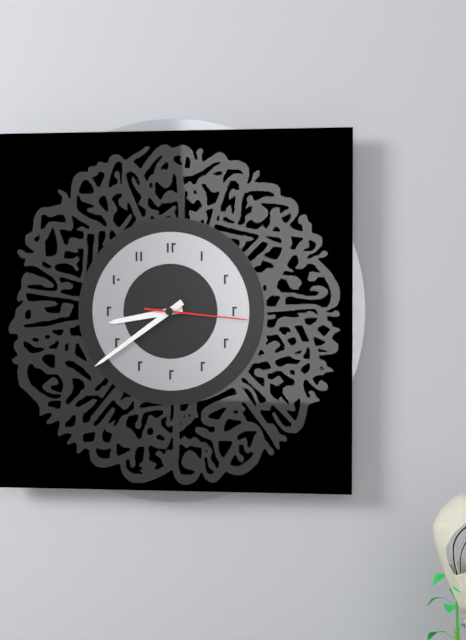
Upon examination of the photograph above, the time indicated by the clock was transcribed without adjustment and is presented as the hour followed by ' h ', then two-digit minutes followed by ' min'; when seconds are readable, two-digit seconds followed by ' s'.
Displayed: 8 h 39 min 16 s
